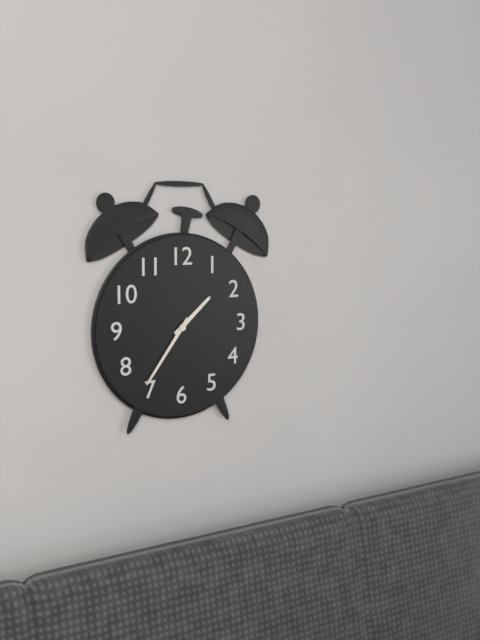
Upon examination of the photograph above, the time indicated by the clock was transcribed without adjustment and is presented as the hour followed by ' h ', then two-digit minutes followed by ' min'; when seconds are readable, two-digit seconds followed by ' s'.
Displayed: 1 h 36 min
